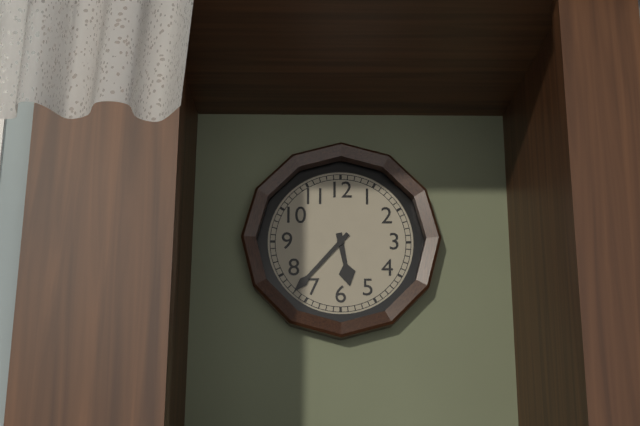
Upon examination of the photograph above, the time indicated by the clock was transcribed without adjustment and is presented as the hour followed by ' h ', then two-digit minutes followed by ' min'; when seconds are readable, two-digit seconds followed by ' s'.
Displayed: 5 h 37 min
